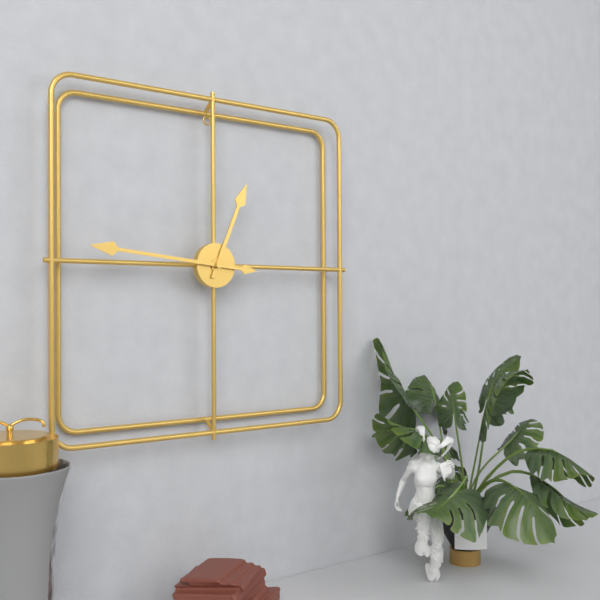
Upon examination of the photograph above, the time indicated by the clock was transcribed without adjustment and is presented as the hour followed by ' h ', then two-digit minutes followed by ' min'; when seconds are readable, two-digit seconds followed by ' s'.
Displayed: 12 h 46 min
